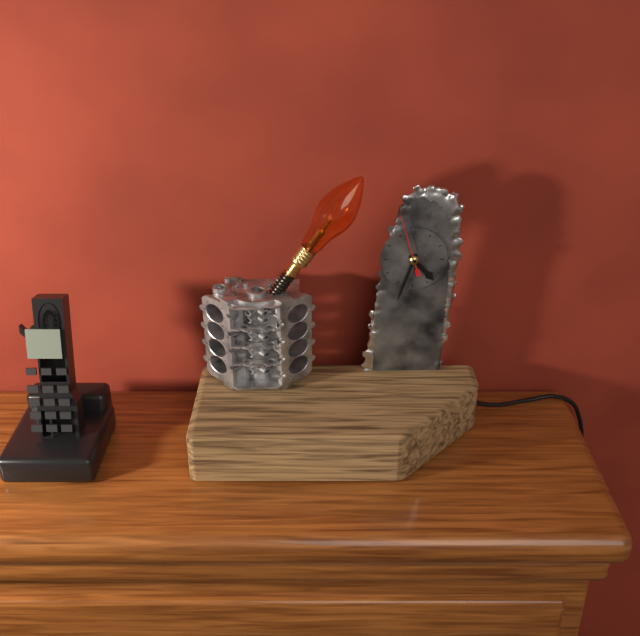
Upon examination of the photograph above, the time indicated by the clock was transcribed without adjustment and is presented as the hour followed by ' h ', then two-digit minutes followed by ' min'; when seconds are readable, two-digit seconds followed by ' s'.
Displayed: 4 h 33 min 57 s
